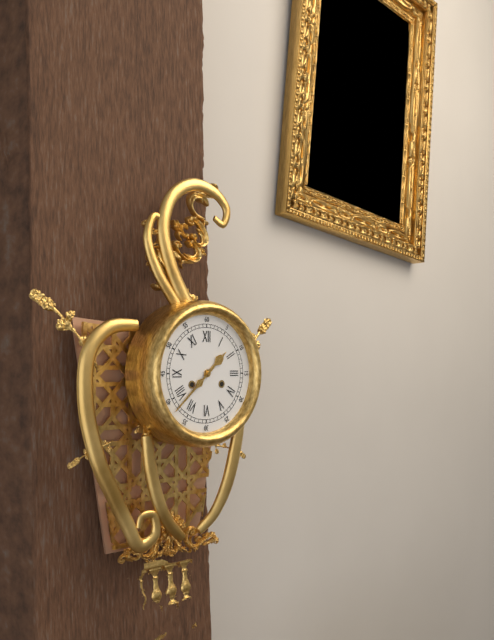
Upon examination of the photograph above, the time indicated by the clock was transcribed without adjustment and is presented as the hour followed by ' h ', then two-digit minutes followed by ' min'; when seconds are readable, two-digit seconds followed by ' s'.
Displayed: 1 h 38 min
